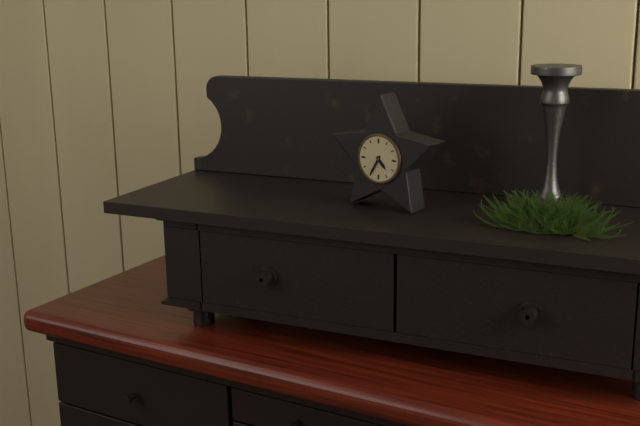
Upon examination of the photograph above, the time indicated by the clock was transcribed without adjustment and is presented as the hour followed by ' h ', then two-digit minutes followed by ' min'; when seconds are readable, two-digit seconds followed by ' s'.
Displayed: 4 h 35 min
